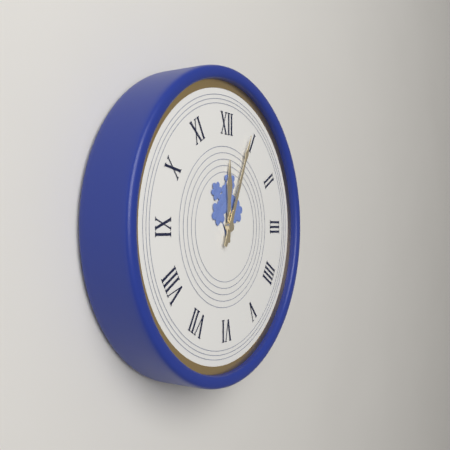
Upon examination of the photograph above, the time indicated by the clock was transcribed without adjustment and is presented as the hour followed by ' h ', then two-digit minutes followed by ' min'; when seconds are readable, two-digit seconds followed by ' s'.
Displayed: 12 h 04 min
